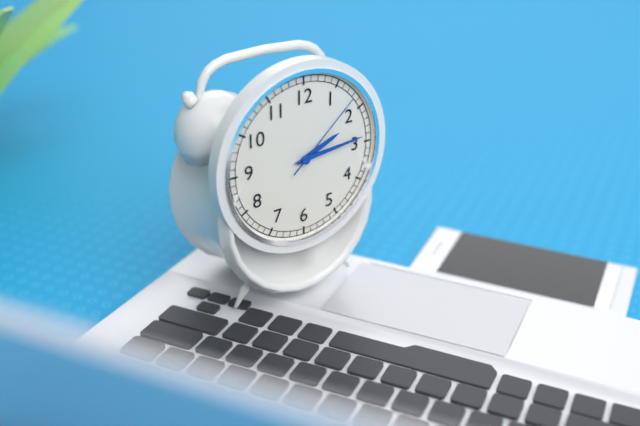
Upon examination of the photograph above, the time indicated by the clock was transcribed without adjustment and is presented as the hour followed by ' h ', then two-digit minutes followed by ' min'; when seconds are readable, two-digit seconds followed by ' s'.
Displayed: 2 h 14 min 08 s
